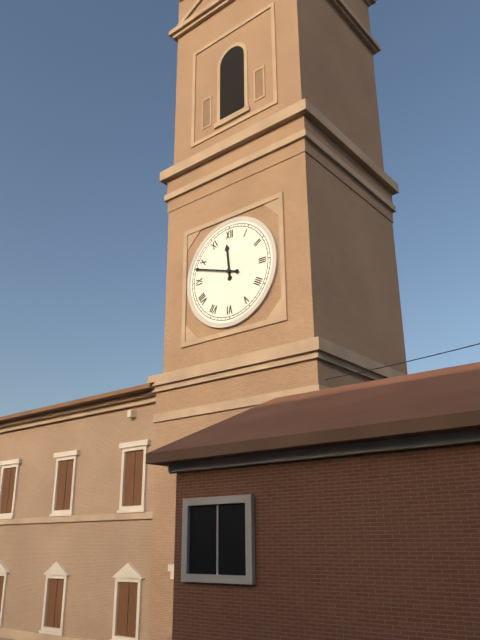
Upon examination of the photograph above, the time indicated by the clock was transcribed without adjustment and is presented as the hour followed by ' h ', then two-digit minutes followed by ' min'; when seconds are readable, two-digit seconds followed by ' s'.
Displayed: 11 h 48 min
